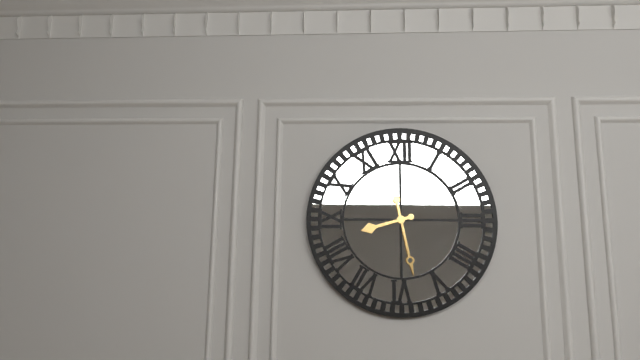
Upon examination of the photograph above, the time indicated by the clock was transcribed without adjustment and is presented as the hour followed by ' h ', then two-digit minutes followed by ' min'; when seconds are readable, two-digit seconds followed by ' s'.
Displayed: 8 h 28 min
